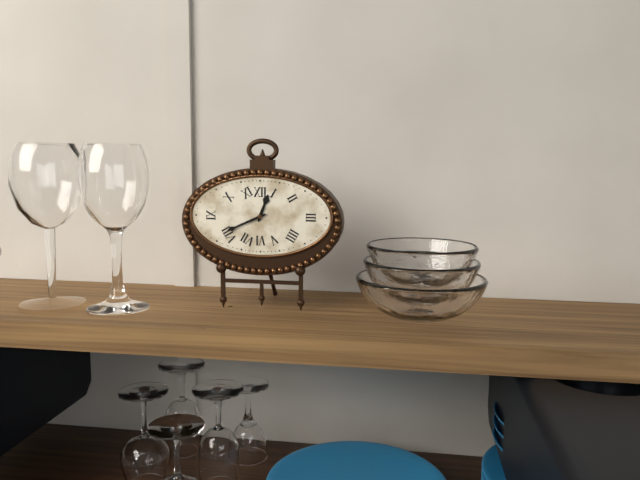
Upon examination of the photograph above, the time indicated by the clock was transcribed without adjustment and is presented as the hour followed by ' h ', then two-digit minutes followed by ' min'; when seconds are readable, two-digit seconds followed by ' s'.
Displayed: 12 h 41 min
